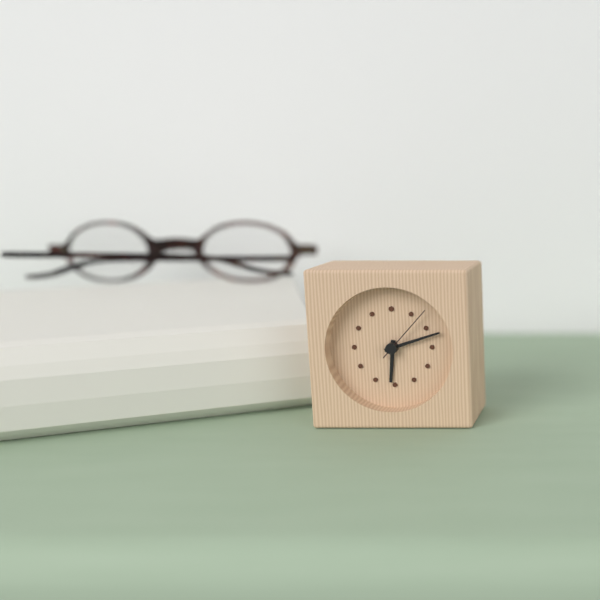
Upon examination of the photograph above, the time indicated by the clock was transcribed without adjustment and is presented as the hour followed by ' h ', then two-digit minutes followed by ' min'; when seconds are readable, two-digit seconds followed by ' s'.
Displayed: 6 h 12 min 07 s
